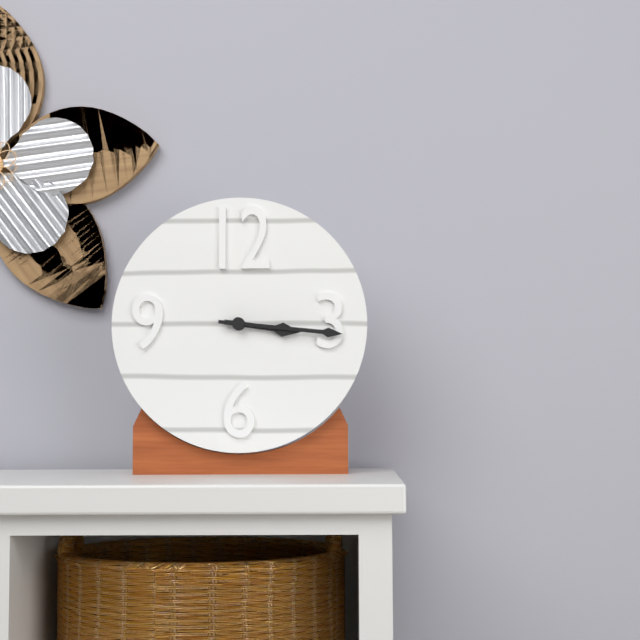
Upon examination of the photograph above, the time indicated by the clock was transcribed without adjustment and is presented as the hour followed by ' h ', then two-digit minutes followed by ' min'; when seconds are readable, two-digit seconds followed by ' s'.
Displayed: 3 h 16 min
